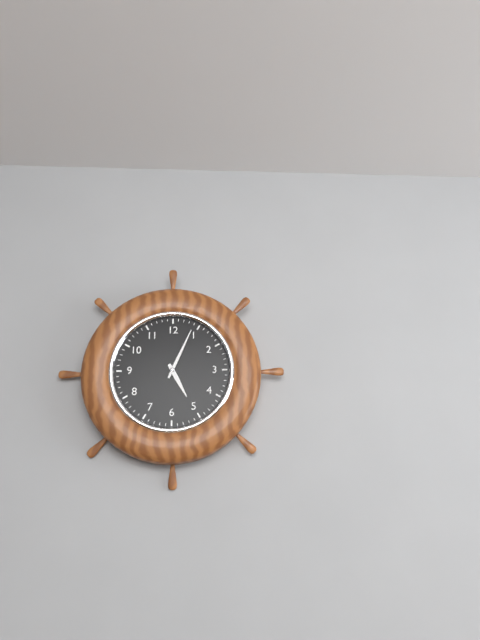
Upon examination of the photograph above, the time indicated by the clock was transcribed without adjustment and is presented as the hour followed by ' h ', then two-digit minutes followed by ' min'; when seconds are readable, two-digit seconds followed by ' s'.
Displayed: 5 h 04 min
